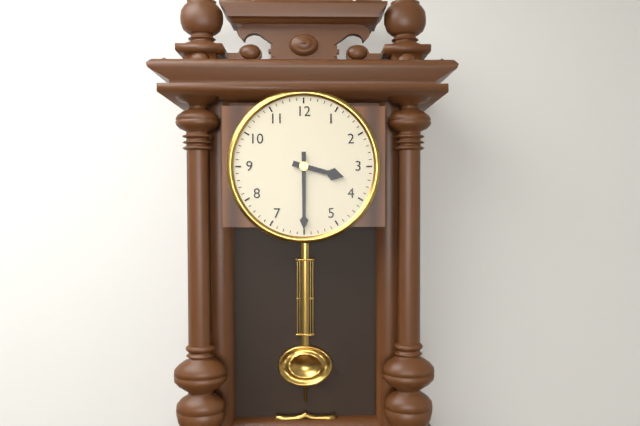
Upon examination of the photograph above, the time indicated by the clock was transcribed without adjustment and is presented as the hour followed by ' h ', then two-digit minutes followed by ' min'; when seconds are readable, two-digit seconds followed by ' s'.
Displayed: 3 h 30 min
